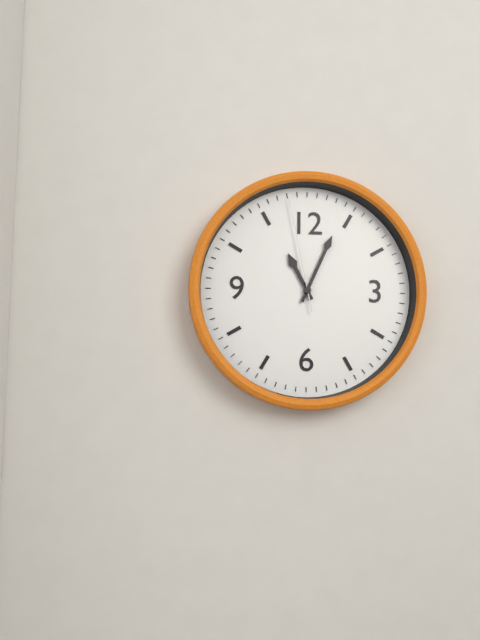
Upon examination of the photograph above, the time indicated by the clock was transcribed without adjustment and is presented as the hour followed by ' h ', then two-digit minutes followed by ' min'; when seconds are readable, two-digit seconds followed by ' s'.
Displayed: 11 h 04 min 58 s
